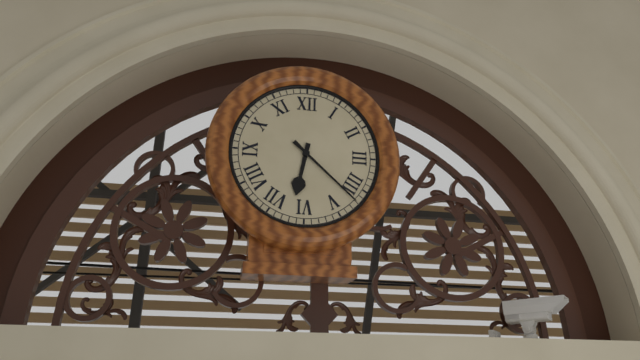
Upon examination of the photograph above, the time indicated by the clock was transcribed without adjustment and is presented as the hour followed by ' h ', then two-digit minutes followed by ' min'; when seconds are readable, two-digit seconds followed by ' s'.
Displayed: 6 h 22 min
